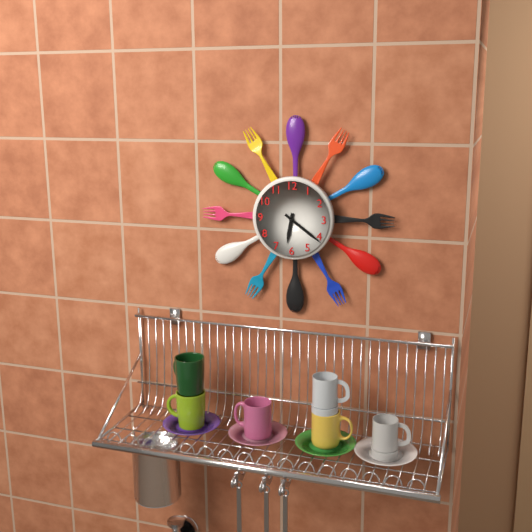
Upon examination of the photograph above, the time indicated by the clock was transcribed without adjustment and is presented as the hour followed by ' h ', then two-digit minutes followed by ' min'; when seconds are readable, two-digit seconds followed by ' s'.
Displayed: 6 h 21 min
